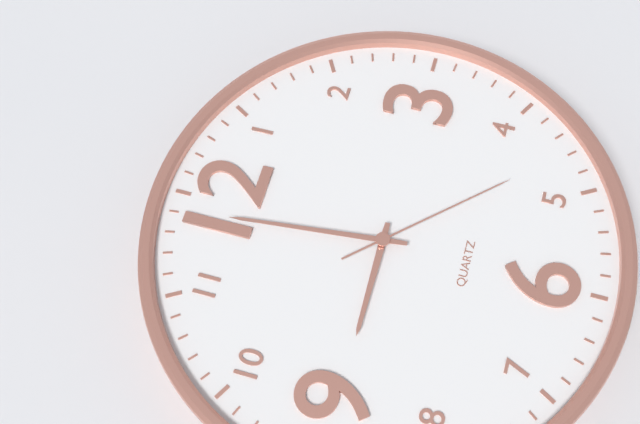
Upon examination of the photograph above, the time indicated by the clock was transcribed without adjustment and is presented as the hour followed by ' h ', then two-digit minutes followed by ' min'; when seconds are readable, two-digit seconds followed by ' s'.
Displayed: 8 h 59 min 23 s
